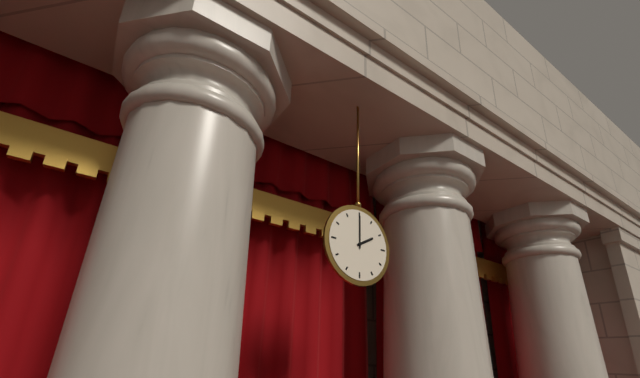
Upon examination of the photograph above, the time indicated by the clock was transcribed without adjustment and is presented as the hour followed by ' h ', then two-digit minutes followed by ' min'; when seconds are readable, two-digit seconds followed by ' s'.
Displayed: 2 h 00 min
